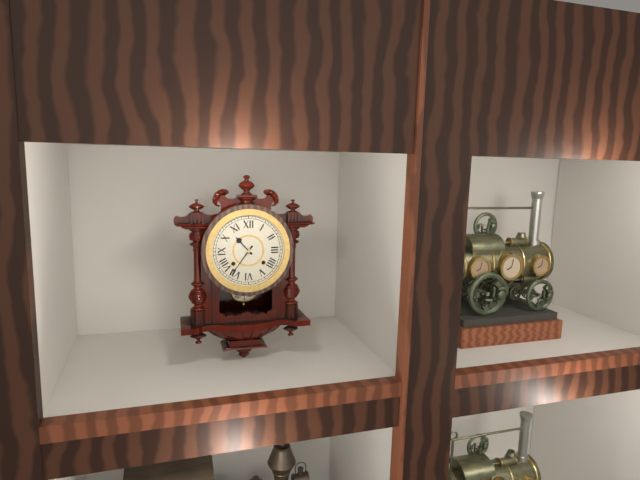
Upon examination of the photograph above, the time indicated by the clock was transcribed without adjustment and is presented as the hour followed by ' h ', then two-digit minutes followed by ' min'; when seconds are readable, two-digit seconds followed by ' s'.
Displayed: 10 h 36 min
